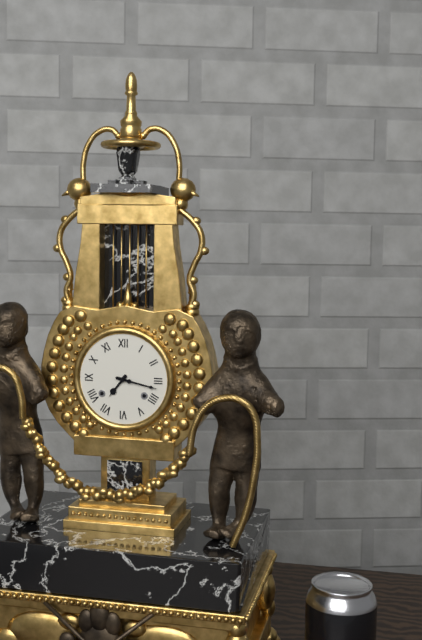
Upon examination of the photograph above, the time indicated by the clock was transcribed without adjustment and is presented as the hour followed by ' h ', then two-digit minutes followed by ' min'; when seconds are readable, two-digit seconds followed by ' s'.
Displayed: 7 h 17 min
